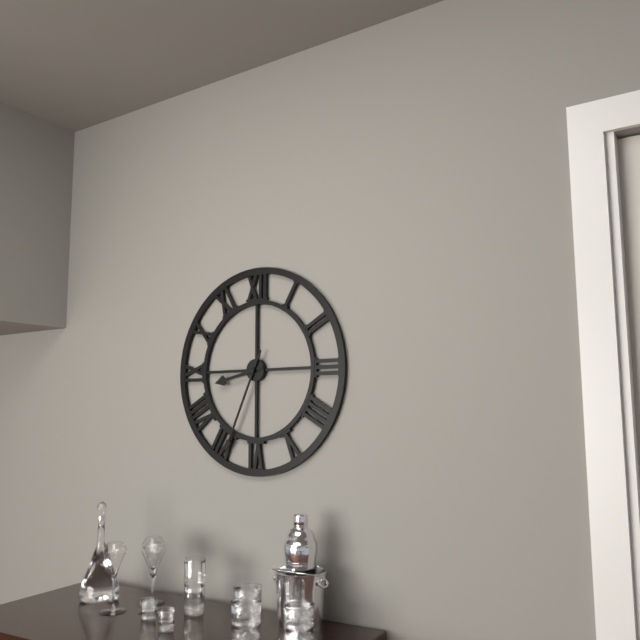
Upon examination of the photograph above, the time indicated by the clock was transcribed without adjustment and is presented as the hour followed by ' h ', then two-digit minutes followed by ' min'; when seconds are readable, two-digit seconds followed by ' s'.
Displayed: 8 h 34 min
